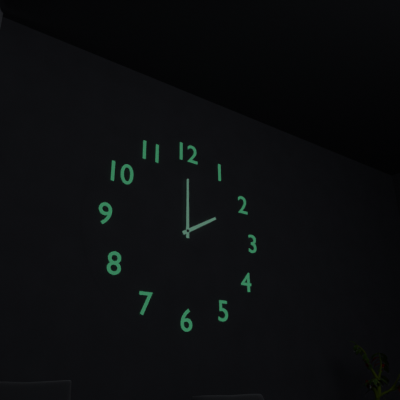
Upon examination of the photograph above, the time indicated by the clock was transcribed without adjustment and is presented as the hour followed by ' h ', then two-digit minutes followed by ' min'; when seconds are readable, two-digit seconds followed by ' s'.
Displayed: 2 h 00 min
